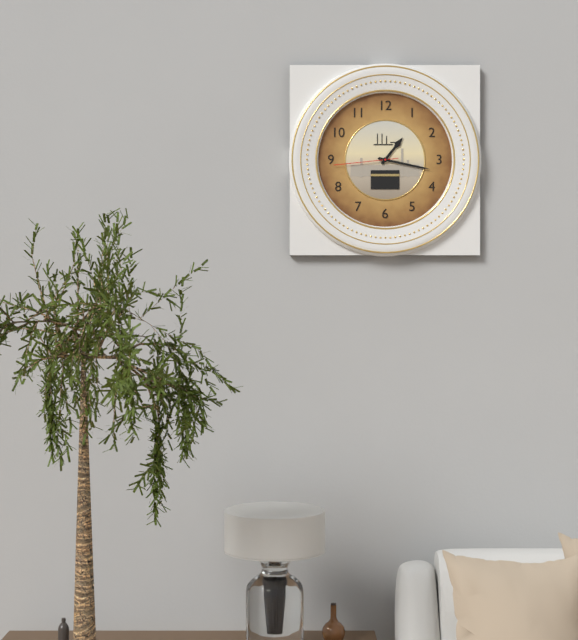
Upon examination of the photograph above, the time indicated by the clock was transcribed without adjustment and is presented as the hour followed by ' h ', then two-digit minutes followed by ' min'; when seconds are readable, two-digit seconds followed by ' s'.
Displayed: 1 h 17 min 44 s
